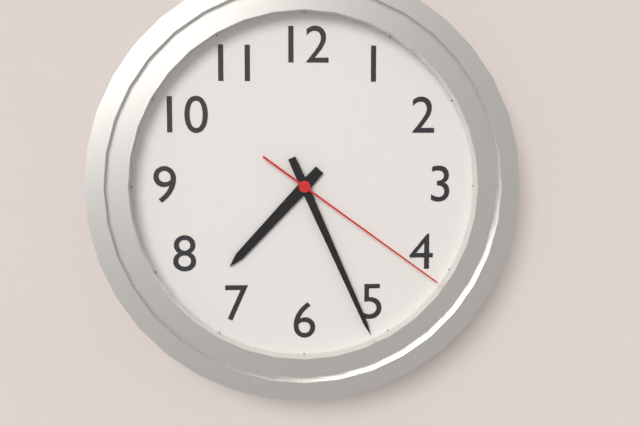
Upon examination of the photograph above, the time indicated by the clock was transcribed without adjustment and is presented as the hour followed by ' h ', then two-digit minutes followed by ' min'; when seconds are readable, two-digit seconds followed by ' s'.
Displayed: 7 h 26 min 21 s
